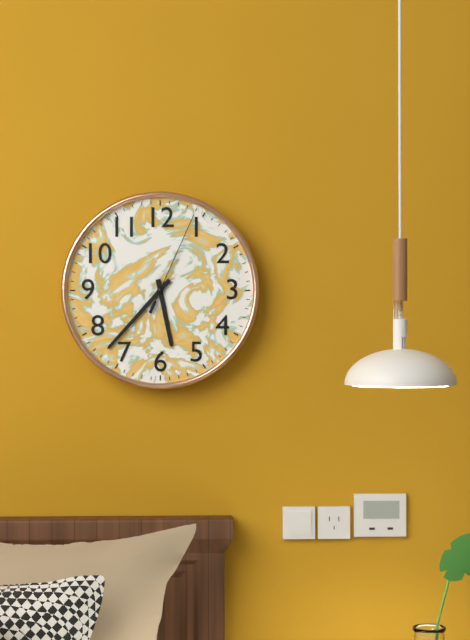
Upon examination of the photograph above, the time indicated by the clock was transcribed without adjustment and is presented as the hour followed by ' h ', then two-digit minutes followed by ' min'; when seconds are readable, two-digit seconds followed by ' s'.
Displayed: 5 h 37 min 04 s
